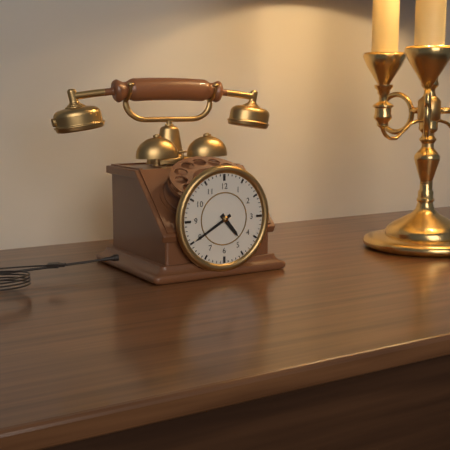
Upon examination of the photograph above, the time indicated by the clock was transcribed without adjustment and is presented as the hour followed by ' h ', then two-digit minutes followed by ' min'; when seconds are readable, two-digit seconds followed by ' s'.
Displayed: 4 h 40 min
